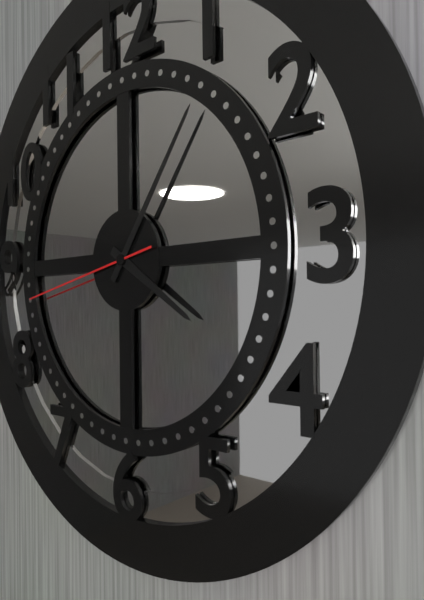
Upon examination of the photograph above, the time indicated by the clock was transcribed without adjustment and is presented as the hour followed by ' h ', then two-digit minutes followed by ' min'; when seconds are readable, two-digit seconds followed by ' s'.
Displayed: 4 h 06 min 43 s
